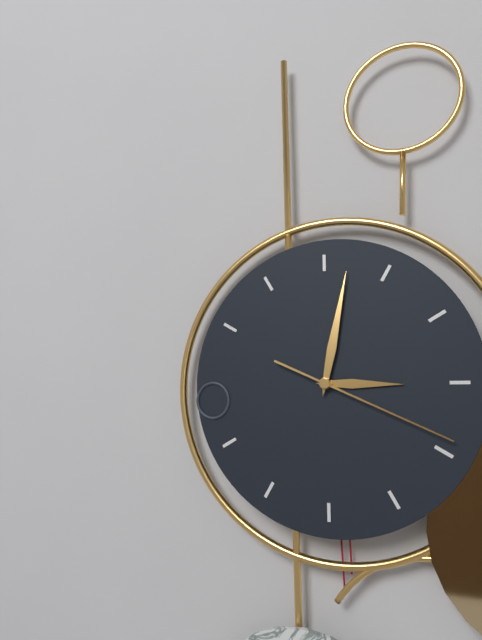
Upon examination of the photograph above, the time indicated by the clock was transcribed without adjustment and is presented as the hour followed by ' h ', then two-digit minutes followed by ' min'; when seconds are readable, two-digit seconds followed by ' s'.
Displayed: 3 h 02 min 19 s
